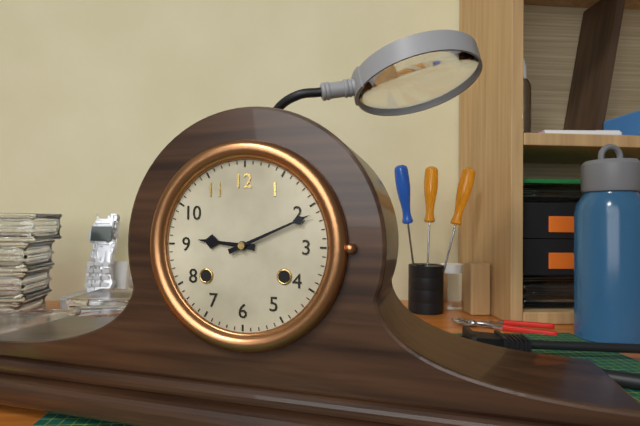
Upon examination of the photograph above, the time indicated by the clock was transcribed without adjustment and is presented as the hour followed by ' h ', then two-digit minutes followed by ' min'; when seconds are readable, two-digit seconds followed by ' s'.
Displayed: 9 h 11 min
